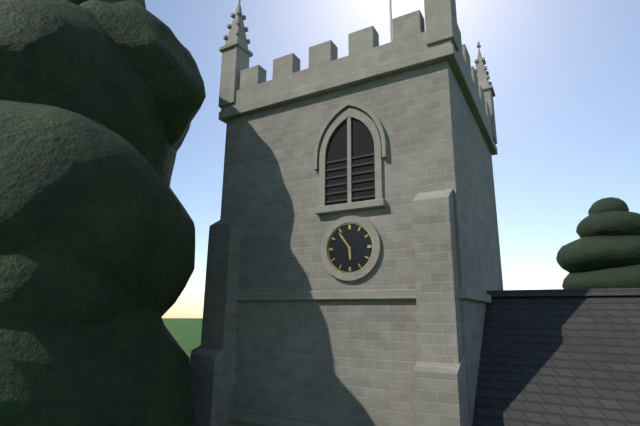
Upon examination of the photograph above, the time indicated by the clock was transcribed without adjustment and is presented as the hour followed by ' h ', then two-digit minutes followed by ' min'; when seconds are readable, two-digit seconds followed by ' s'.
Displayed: 5 h 54 min
